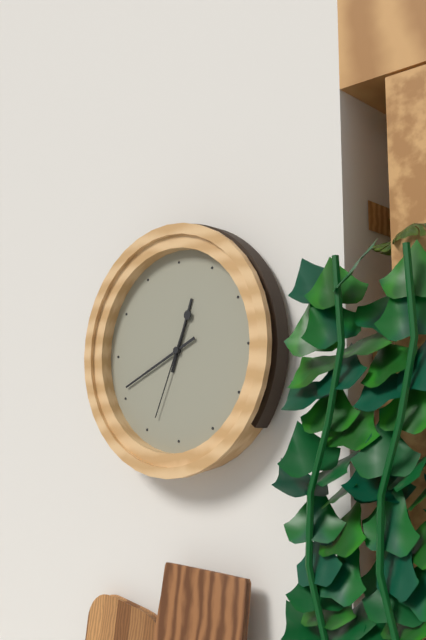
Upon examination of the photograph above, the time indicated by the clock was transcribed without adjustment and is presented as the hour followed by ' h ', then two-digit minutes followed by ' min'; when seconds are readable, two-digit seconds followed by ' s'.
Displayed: 12 h 41 min 34 s
